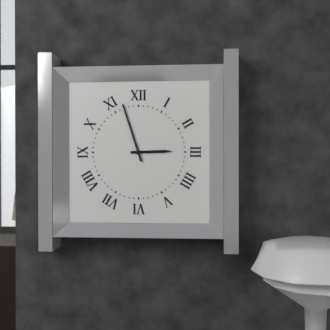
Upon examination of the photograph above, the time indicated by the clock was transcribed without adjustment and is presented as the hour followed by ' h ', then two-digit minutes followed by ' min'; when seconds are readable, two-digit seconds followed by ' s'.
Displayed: 2 h 57 min
